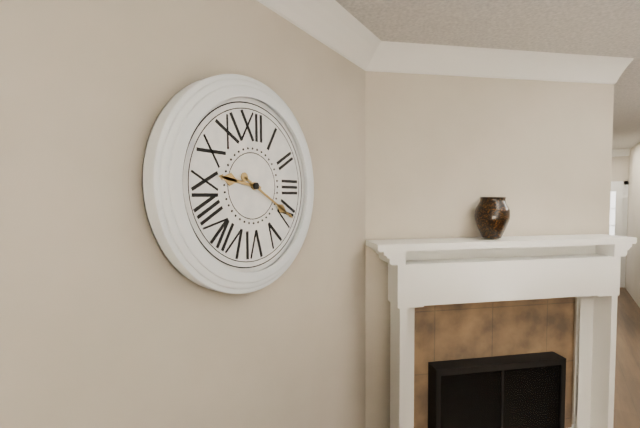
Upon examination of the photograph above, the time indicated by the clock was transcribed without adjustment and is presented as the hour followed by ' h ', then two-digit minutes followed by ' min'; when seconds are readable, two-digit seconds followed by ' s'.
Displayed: 9 h 20 min
